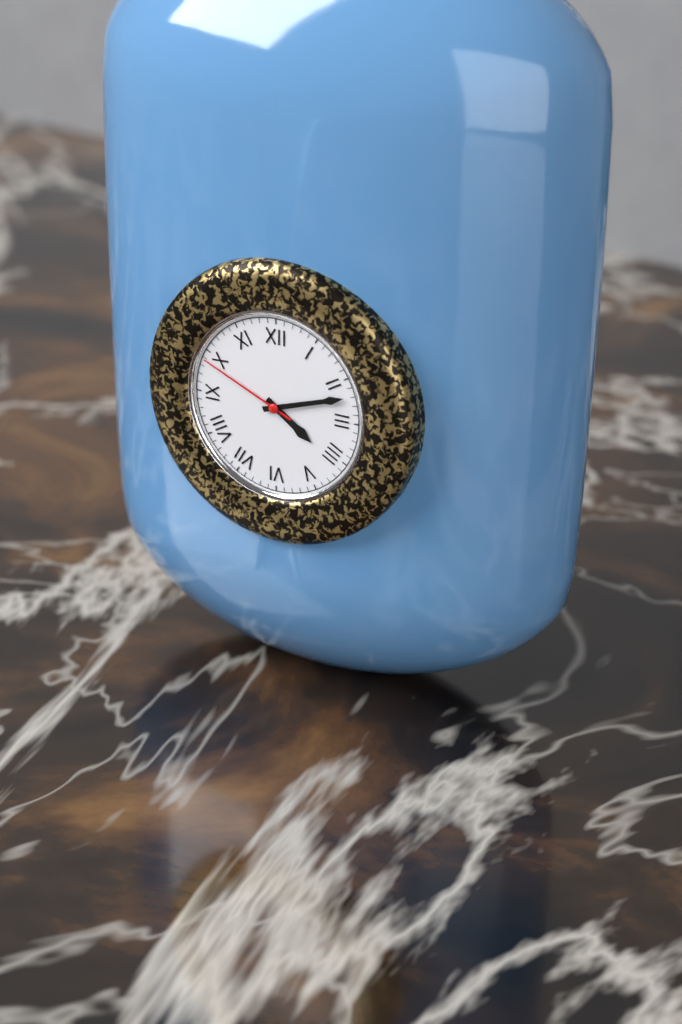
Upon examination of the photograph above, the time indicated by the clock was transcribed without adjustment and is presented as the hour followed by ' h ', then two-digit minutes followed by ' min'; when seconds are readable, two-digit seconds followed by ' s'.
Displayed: 4 h 12 min 49 s
